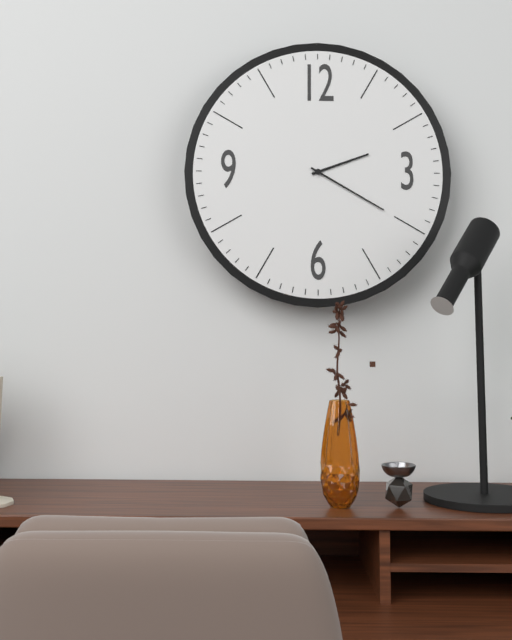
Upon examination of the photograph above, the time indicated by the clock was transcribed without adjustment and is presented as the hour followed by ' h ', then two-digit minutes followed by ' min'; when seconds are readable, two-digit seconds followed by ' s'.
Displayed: 2 h 20 min
